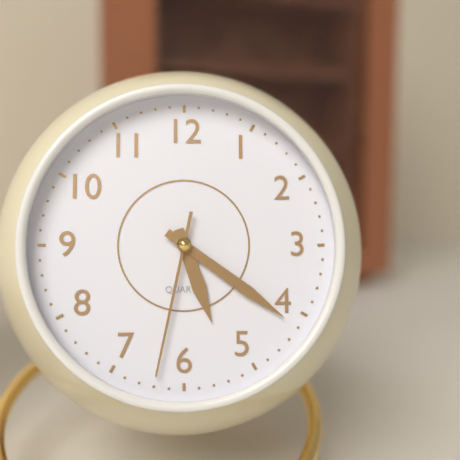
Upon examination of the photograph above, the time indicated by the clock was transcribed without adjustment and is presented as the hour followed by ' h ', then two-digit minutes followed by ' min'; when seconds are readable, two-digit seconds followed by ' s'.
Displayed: 5 h 21 min 32 s
